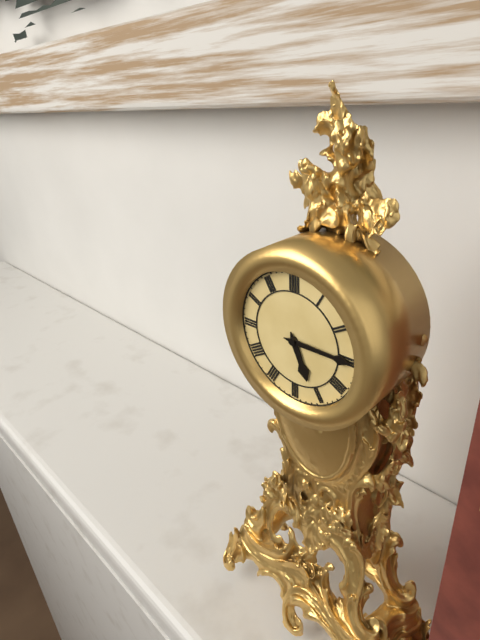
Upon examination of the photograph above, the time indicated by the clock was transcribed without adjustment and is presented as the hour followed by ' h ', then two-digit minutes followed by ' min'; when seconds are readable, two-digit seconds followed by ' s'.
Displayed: 5 h 15 min
